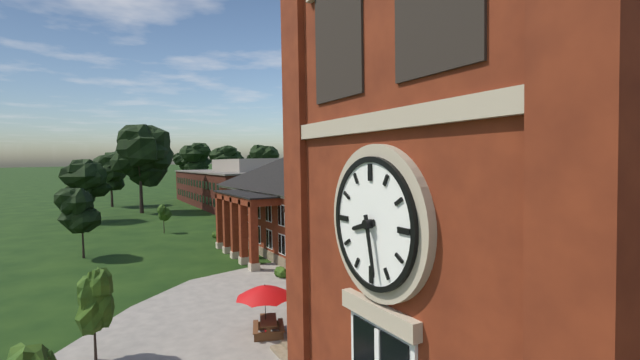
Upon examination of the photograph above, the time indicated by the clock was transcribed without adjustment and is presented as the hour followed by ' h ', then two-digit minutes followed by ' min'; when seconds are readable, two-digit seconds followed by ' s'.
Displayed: 8 h 28 min
